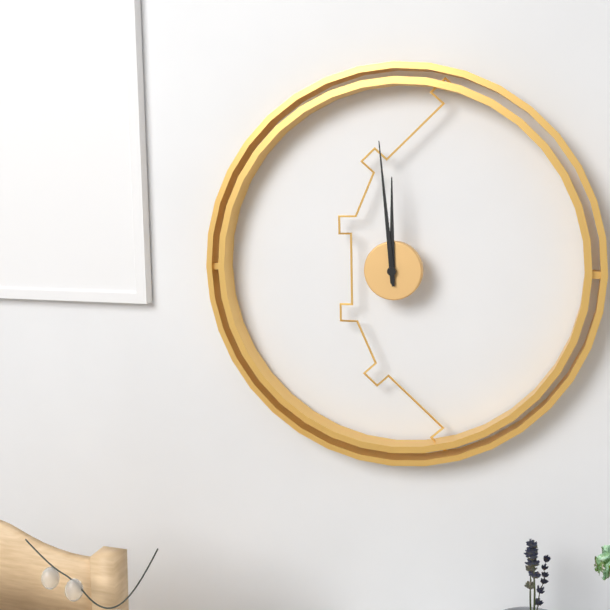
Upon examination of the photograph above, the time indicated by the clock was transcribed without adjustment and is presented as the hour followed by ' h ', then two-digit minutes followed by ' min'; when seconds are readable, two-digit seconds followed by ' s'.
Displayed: 11 h 59 min
